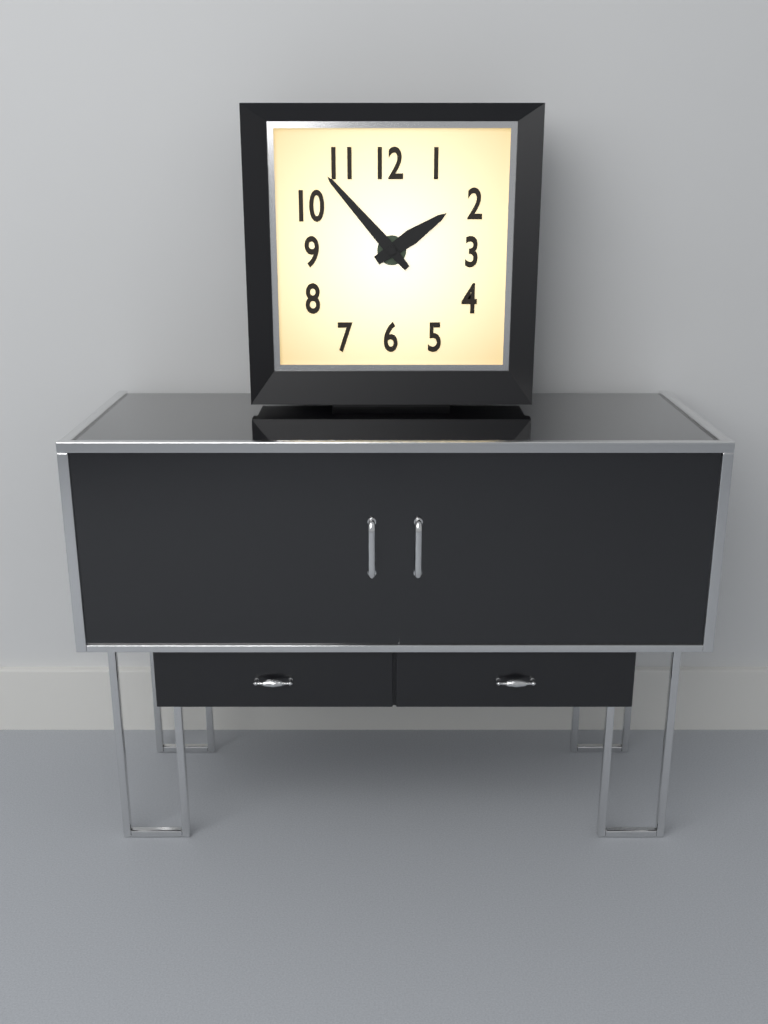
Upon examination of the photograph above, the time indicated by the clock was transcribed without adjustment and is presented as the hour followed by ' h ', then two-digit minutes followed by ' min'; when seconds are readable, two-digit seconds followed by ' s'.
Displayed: 1 h 53 min
